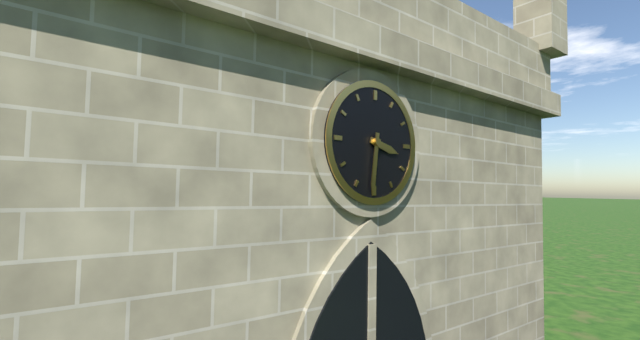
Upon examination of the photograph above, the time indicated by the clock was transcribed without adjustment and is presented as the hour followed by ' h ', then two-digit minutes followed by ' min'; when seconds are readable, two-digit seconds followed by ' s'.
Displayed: 3 h 31 min
